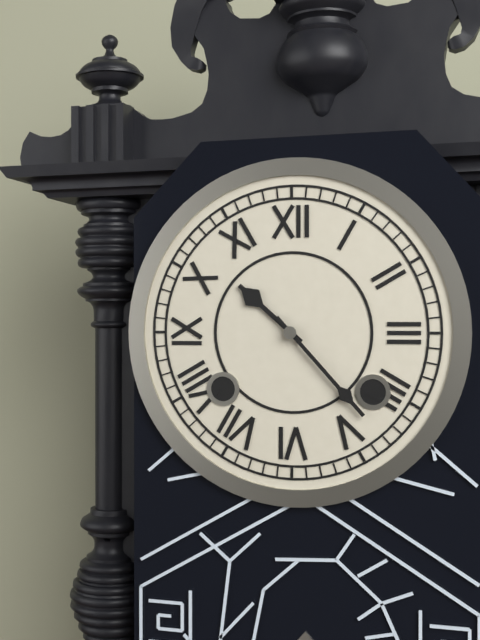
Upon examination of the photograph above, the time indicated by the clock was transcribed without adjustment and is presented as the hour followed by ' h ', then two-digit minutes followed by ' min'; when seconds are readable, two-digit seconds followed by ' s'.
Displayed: 10 h 23 min
